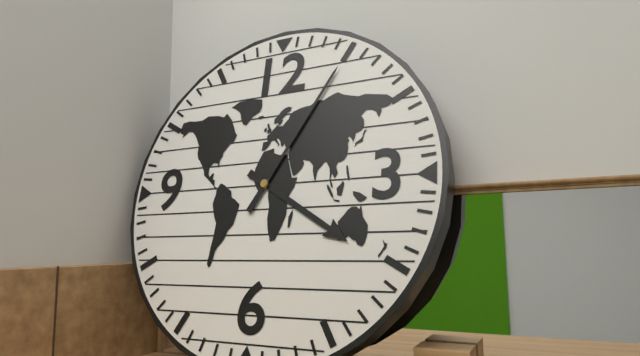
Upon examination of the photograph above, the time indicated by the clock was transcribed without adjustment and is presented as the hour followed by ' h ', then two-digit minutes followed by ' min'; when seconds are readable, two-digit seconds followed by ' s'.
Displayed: 4 h 05 min
